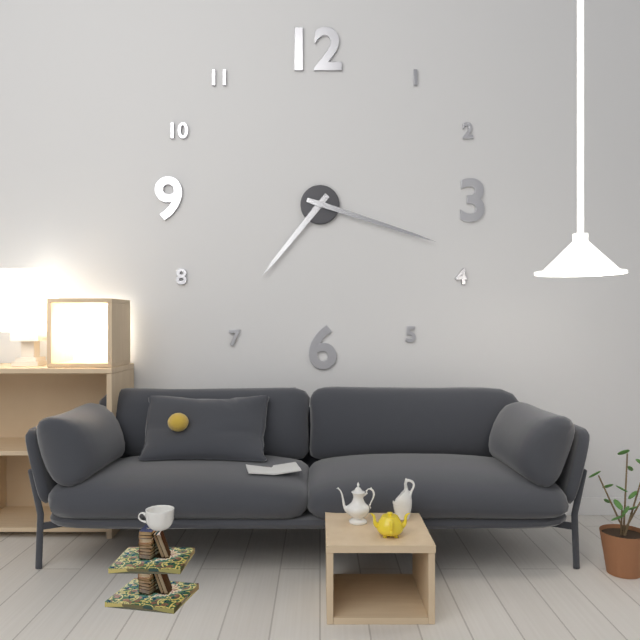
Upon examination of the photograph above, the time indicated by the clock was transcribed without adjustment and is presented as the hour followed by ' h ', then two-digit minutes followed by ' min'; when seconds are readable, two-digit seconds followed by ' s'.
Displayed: 7 h 18 min
